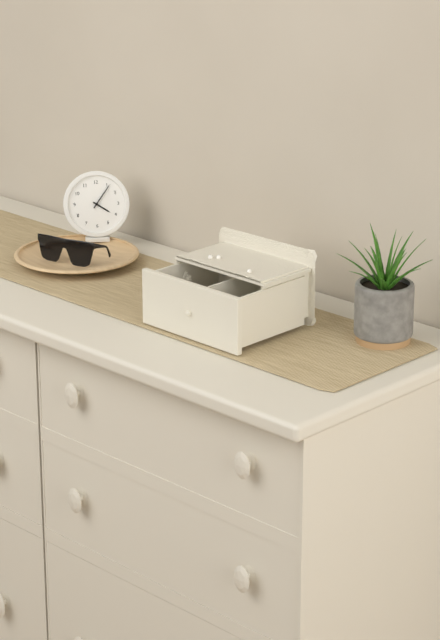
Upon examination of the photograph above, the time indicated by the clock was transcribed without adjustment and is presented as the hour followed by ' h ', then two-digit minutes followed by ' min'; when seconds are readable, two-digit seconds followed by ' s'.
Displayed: 4 h 06 min
